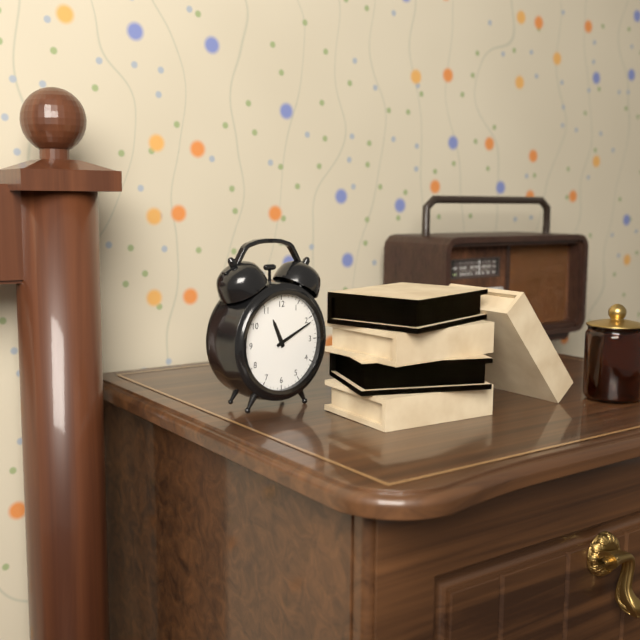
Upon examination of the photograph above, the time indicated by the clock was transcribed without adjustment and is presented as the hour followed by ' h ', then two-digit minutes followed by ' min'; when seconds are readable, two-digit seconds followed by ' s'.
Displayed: 11 h 11 min
